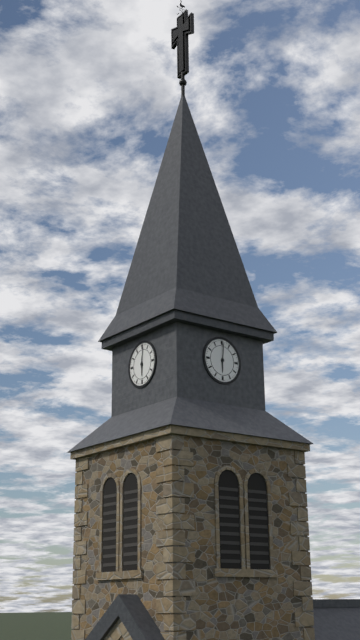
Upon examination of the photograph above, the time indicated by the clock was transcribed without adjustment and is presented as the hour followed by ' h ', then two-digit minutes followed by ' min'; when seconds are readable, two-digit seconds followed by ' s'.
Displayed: 6 h 01 min
